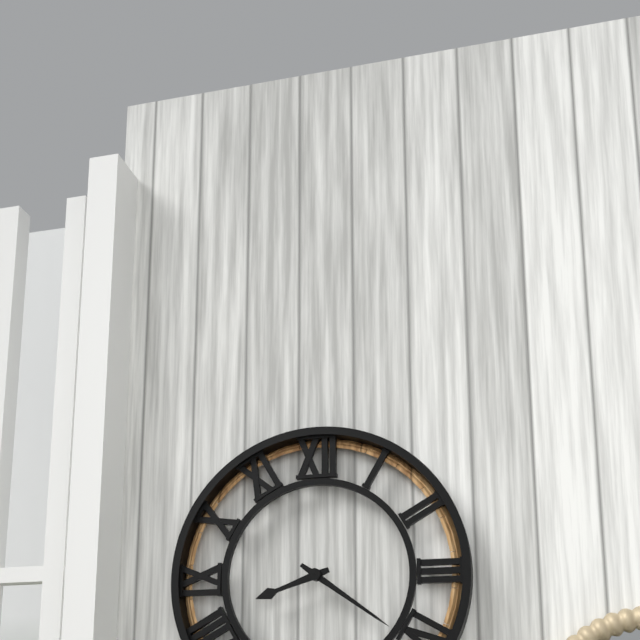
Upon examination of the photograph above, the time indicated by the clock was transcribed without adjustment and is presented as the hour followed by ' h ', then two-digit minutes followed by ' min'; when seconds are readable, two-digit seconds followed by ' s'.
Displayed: 8 h 21 min
